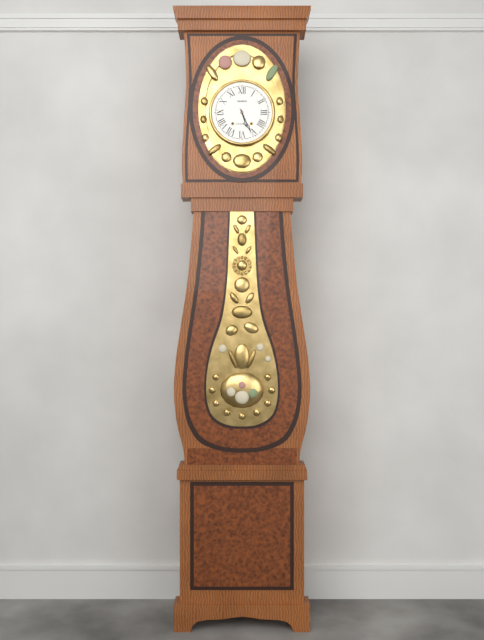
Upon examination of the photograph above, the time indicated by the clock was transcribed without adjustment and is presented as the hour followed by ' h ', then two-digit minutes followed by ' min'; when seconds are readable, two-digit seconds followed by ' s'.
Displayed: 5 h 26 min
